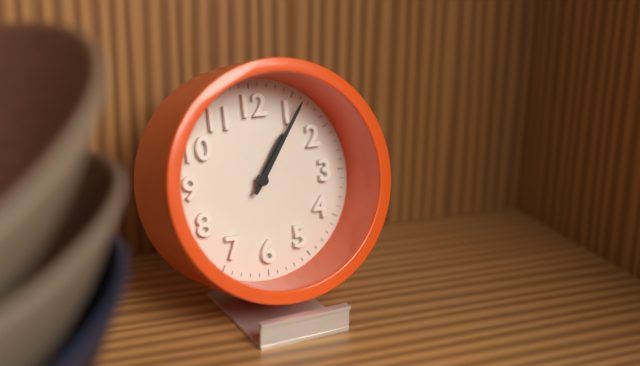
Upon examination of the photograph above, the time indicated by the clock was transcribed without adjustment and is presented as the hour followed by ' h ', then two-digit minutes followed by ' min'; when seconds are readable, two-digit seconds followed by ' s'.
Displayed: 1 h 06 min
